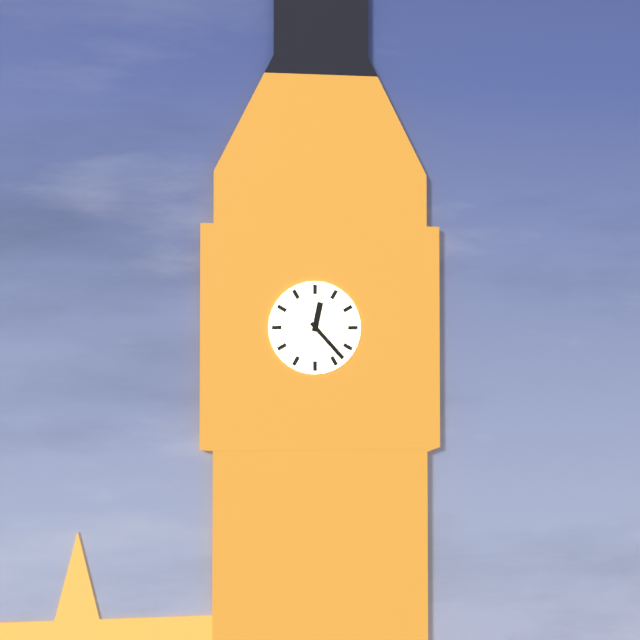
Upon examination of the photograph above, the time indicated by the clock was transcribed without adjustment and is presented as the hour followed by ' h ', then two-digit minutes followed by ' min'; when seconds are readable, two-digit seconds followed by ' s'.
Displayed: 12 h 23 min
